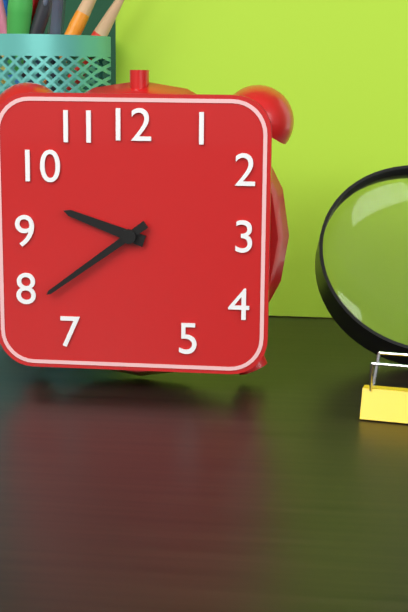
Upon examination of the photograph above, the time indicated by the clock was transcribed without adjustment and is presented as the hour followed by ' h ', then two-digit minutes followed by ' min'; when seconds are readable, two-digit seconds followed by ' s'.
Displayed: 9 h 39 min
